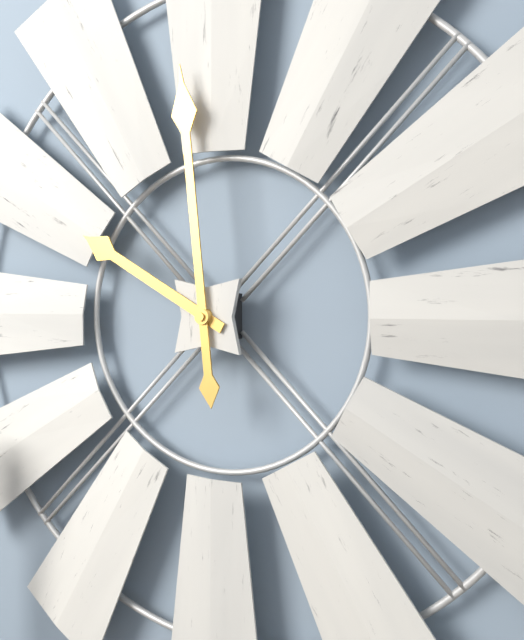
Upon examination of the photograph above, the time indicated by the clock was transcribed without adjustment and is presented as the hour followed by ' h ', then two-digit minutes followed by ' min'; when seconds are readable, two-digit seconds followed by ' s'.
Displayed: 9 h 59 min
